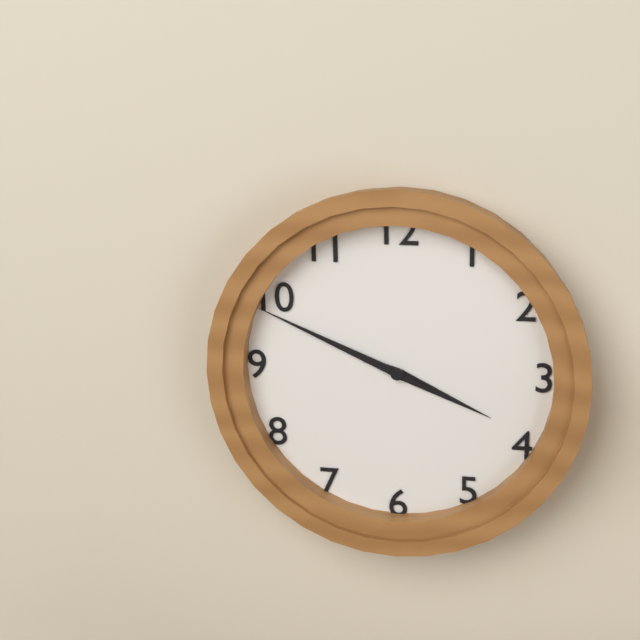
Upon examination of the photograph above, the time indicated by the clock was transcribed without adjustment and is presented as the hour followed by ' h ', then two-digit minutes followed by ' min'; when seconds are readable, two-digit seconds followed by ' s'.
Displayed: 3 h 49 min
